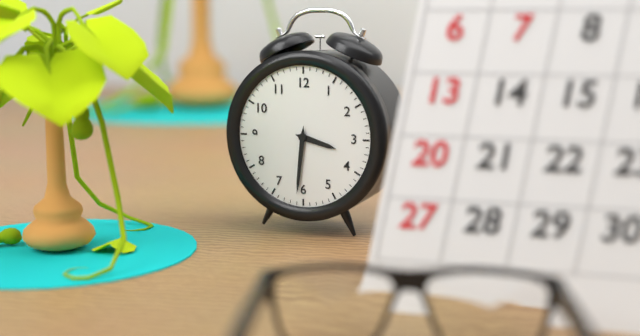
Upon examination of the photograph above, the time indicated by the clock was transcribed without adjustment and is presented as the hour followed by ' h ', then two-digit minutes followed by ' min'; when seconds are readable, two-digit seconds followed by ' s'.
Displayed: 3 h 31 min
